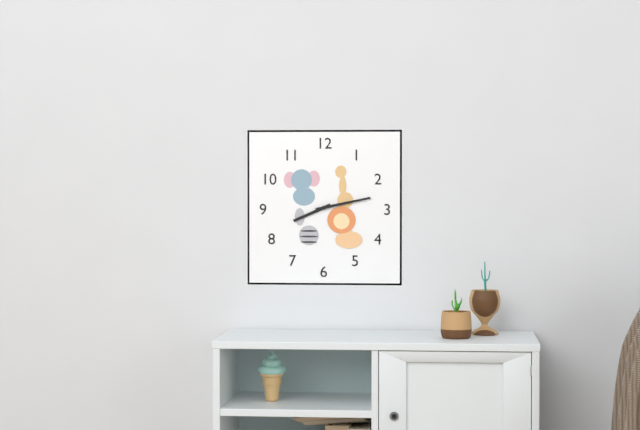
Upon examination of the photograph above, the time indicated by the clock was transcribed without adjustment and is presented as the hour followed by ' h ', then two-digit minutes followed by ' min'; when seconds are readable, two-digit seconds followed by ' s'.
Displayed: 8 h 13 min
